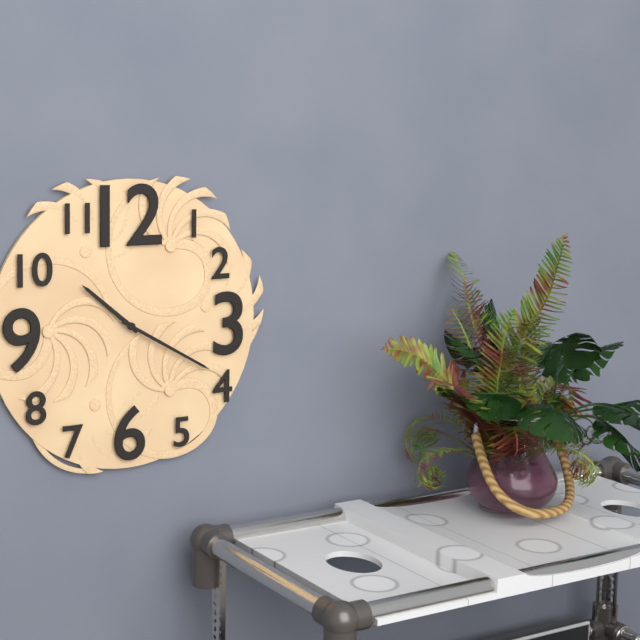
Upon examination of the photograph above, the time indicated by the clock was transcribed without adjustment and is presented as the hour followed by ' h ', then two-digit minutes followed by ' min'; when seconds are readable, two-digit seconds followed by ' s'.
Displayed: 10 h 20 min
